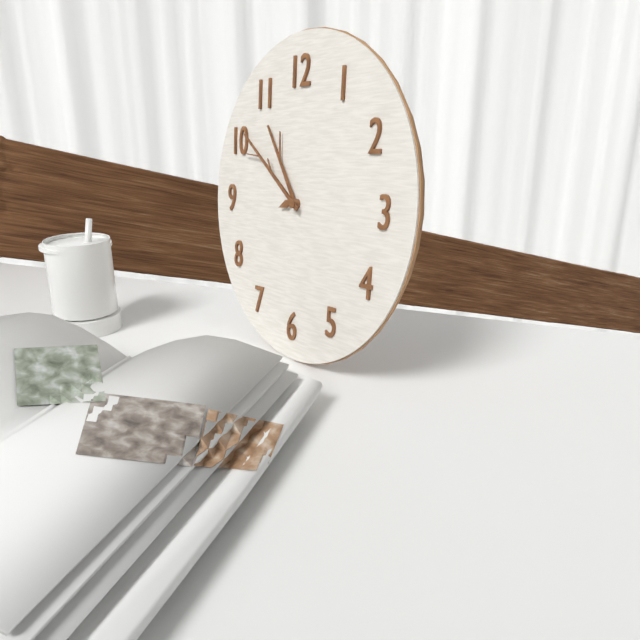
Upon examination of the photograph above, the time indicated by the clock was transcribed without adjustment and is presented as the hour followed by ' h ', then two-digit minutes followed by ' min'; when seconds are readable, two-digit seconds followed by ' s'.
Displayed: 10 h 51 min
